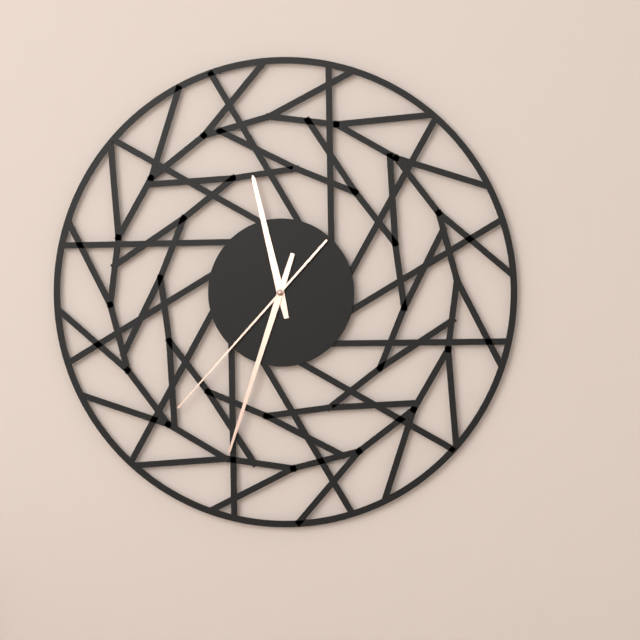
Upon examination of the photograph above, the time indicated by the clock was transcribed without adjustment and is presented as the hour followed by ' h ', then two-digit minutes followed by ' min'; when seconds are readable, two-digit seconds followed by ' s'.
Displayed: 11 h 33 min 37 s
